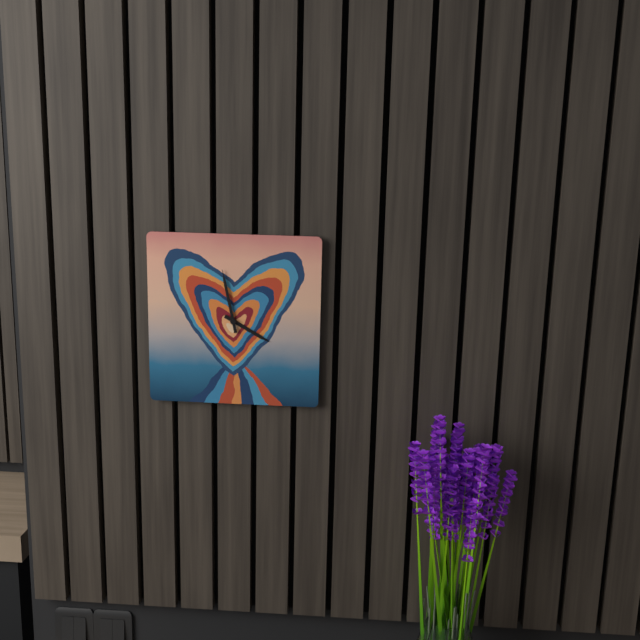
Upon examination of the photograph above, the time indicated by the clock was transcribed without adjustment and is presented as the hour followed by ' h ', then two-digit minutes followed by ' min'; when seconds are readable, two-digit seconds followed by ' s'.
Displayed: 3 h 58 min
